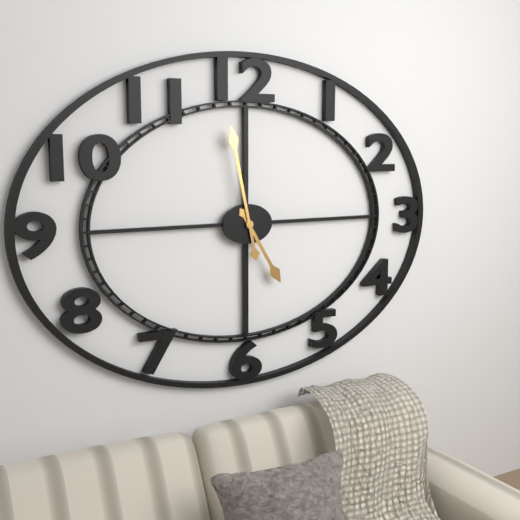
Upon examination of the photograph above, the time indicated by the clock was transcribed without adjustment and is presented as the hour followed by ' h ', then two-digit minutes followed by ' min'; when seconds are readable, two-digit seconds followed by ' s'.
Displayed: 4 h 58 min
